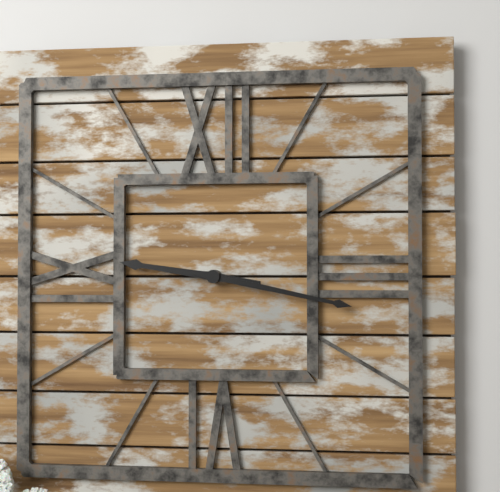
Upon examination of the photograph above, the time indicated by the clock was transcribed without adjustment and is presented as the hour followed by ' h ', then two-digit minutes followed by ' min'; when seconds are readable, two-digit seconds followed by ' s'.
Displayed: 9 h 17 min
